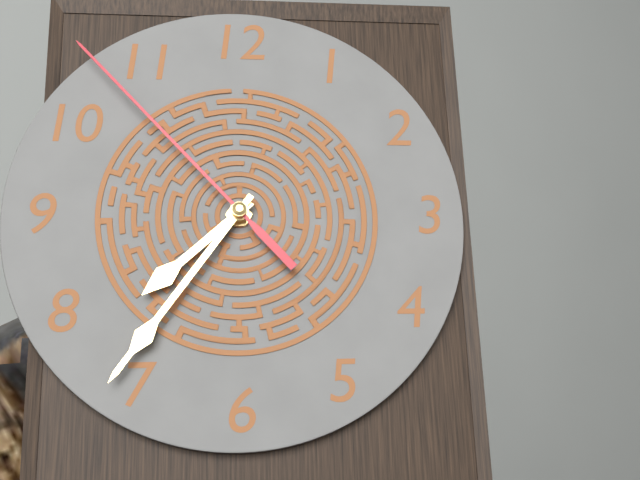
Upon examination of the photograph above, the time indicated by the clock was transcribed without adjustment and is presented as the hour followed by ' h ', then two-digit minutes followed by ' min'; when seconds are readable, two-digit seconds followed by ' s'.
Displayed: 7 h 36 min 53 s
